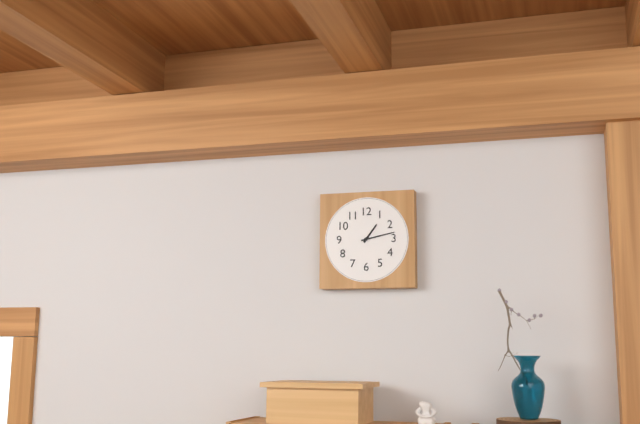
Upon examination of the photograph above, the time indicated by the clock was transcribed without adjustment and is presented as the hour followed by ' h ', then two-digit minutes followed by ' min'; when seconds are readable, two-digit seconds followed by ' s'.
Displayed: 1 h 13 min
